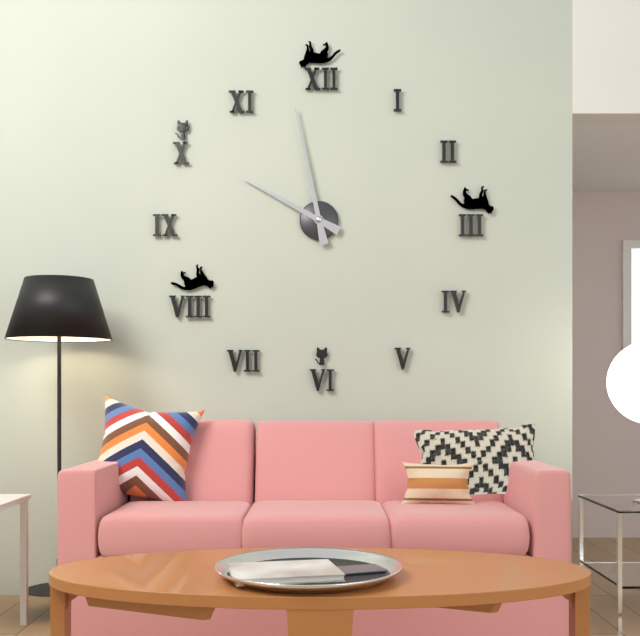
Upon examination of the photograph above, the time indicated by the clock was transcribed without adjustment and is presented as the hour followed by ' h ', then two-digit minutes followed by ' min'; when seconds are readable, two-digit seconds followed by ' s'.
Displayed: 9 h 58 min
